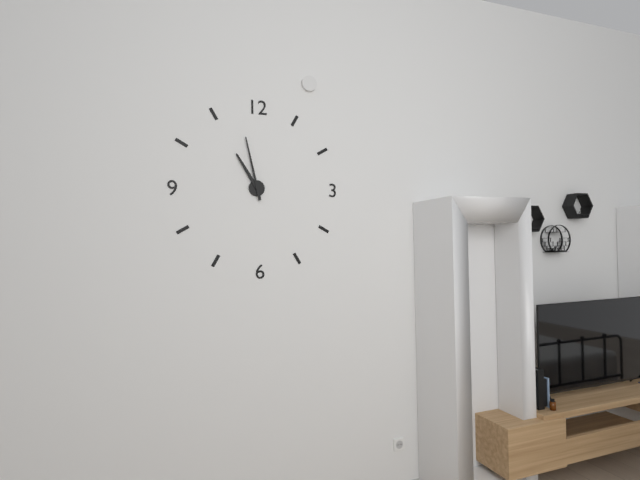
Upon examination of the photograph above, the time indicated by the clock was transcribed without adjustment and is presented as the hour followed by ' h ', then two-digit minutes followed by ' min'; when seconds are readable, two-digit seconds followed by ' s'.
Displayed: 10 h 58 min
